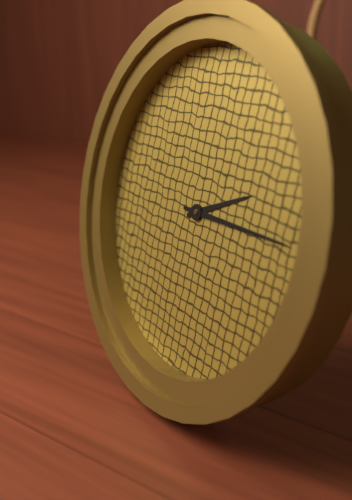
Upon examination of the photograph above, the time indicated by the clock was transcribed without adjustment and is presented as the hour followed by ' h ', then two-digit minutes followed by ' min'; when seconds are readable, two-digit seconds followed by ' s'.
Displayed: 2 h 15 min
